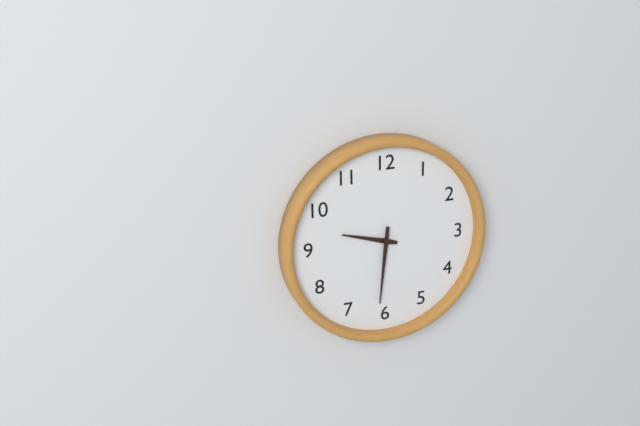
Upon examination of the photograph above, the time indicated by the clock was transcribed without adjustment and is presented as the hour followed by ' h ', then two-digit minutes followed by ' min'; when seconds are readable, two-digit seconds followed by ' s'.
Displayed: 9 h 31 min
